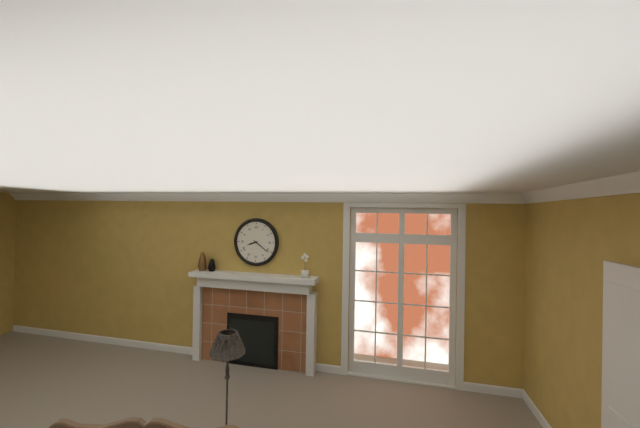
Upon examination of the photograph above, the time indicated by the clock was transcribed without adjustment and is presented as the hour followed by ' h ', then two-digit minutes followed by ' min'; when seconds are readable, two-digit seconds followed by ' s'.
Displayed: 8 h 21 min
